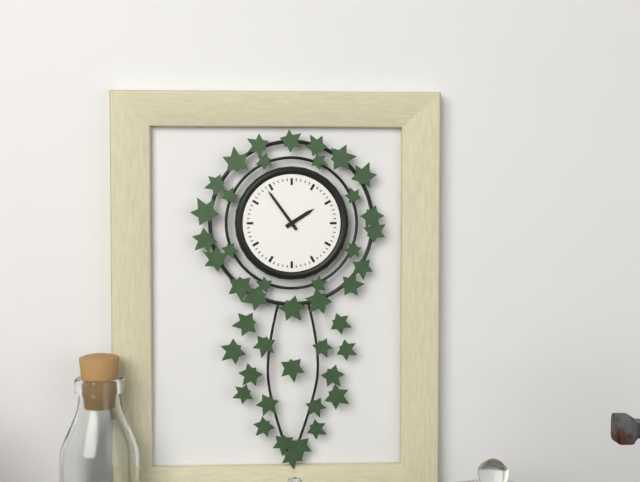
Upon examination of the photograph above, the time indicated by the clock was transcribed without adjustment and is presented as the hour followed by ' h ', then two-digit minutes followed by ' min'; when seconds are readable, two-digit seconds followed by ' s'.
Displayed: 1 h 54 min
